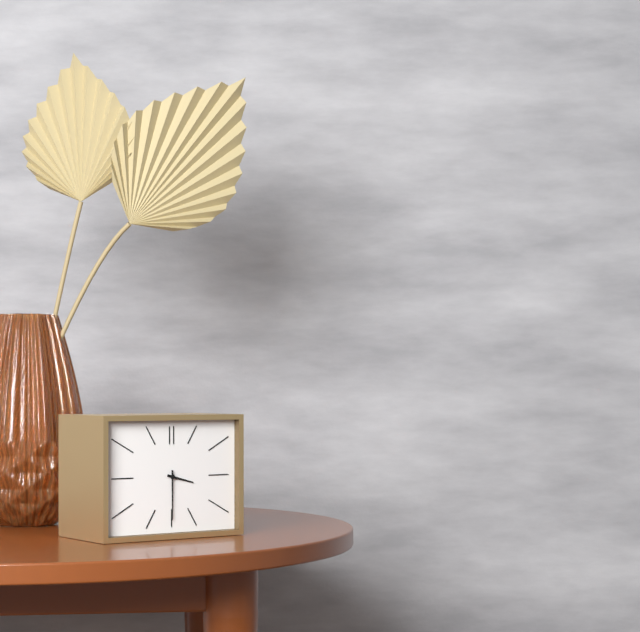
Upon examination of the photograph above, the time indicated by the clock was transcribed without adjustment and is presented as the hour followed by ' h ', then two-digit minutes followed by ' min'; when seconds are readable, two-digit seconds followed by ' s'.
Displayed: 3 h 30 min
